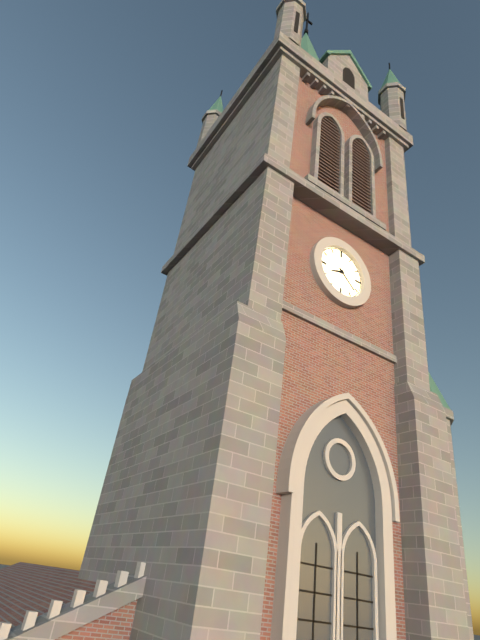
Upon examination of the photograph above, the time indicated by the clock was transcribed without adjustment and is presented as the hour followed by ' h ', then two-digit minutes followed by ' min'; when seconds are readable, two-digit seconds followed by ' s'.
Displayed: 8 h 22 min
